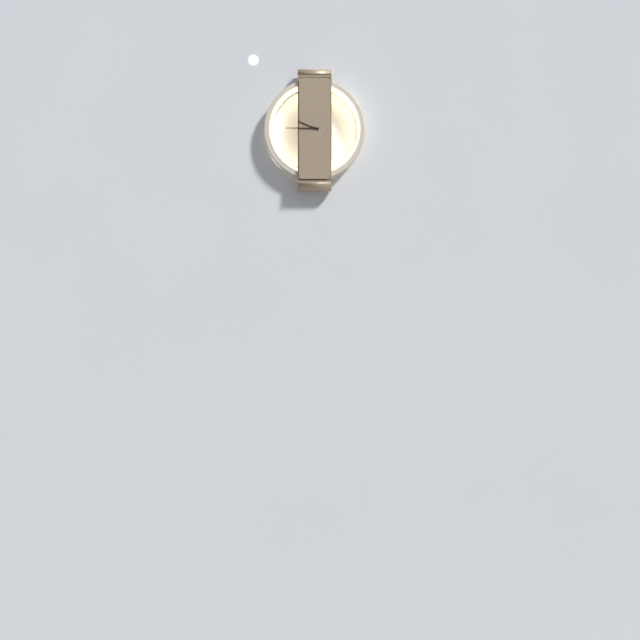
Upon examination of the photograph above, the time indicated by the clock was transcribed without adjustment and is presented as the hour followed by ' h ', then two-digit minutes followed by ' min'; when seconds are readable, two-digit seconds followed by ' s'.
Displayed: 9 h 45 min
